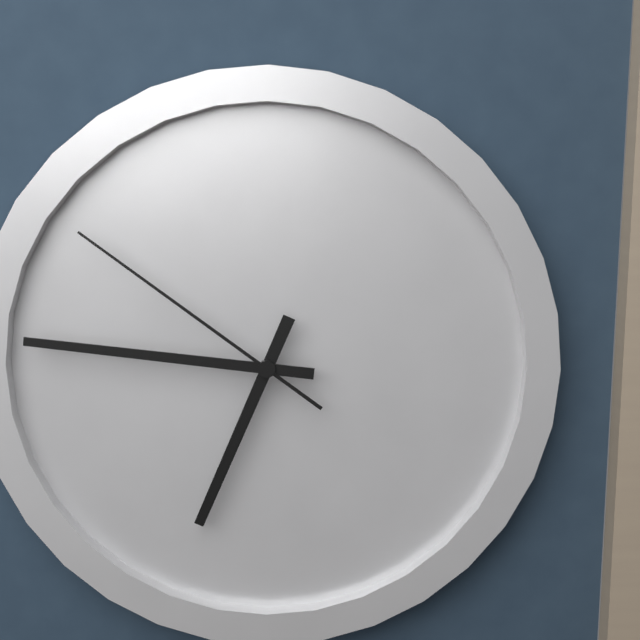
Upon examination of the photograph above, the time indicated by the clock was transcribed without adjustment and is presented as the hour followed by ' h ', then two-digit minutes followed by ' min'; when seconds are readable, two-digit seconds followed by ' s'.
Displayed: 6 h 46 min 51 s
